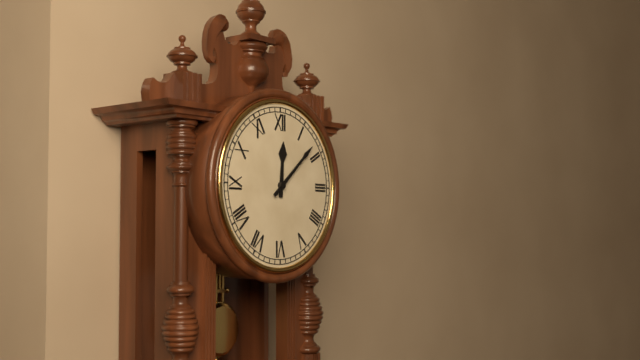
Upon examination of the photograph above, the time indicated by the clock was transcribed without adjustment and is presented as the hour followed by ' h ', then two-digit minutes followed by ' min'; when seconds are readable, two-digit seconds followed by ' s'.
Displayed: 12 h 08 min
